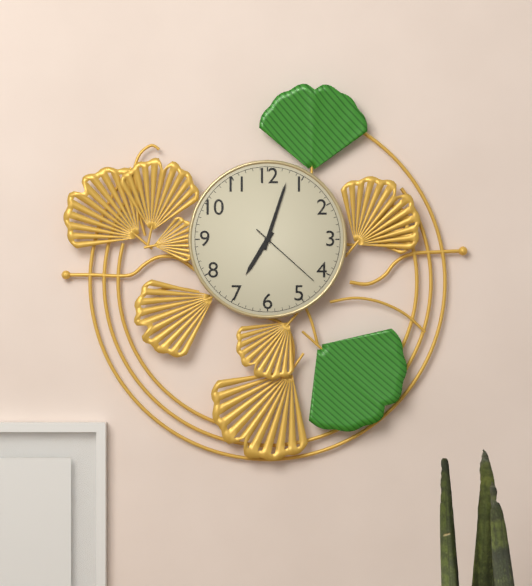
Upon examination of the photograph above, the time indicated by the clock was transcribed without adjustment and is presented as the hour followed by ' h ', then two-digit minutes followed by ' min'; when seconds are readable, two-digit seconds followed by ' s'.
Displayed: 7 h 03 min 22 s
